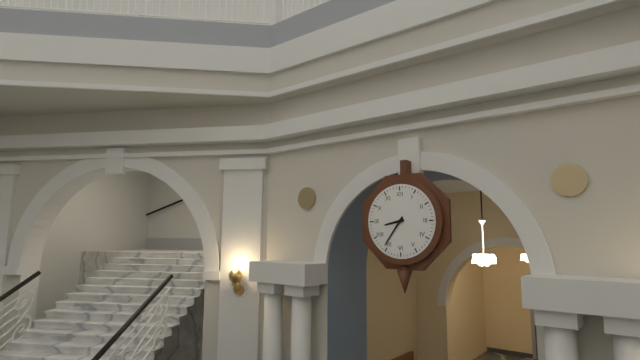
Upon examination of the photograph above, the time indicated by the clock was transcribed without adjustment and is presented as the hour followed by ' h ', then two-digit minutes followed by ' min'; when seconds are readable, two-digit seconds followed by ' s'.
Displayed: 8 h 36 min
